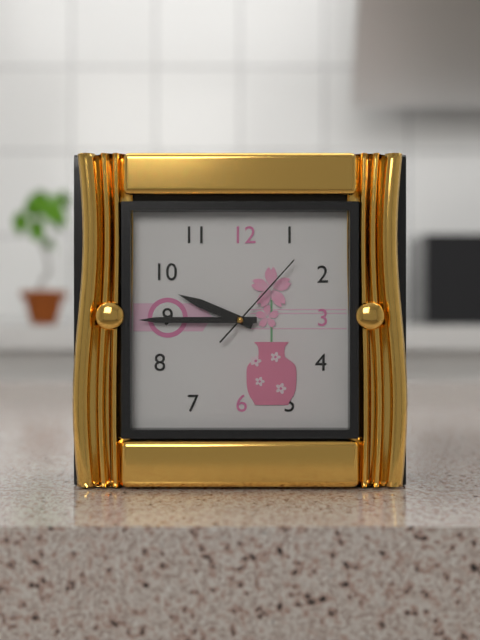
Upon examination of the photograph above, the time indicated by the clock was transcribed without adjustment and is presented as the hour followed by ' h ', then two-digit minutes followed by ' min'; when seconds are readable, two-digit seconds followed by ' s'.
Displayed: 9 h 45 min 07 s
